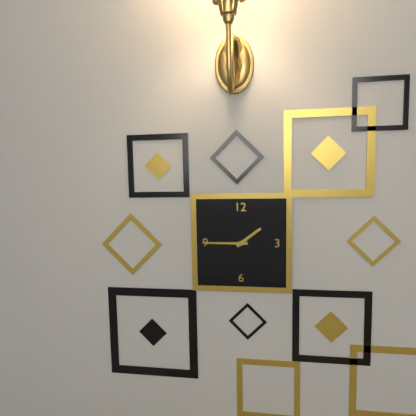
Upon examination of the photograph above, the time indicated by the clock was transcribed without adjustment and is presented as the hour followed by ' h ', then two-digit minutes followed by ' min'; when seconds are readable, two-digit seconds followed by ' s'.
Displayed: 1 h 45 min
